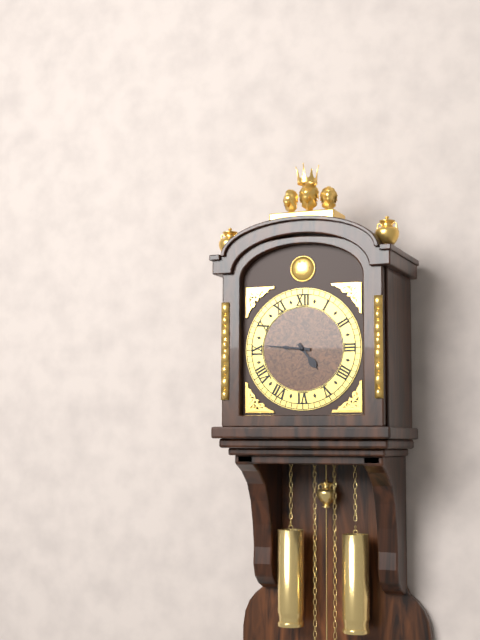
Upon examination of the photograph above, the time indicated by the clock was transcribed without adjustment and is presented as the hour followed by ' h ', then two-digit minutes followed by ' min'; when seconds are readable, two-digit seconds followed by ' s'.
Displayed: 4 h 46 min
